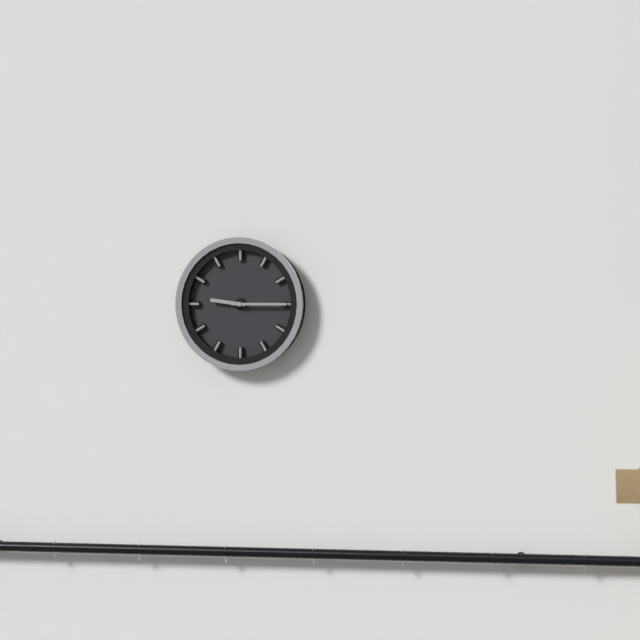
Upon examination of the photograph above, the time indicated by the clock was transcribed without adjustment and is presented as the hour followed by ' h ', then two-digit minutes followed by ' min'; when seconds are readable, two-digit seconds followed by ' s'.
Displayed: 9 h 15 min
